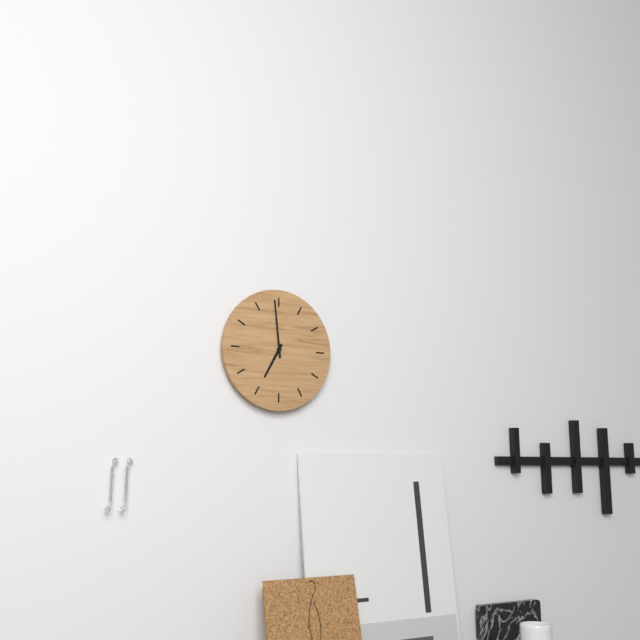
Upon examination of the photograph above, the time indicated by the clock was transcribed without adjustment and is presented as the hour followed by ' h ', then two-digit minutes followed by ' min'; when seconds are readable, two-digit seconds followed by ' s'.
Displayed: 6 h 59 min
